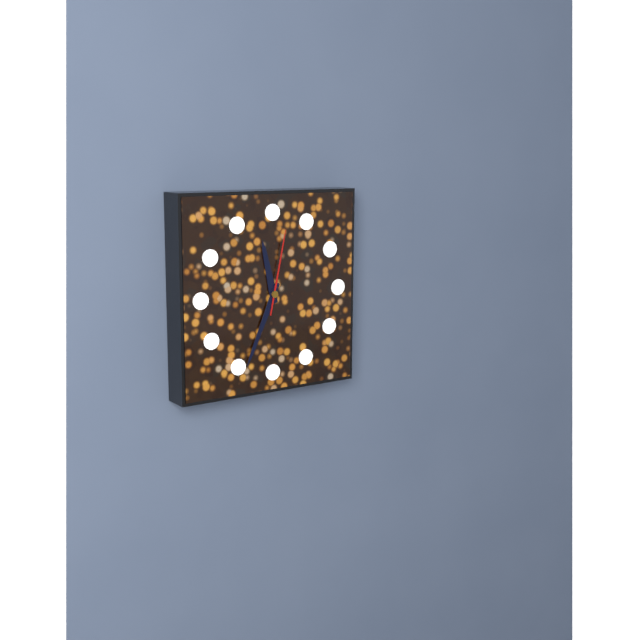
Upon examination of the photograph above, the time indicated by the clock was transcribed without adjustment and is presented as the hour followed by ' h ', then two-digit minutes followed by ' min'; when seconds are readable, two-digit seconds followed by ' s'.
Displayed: 11 h 34 min 02 s
